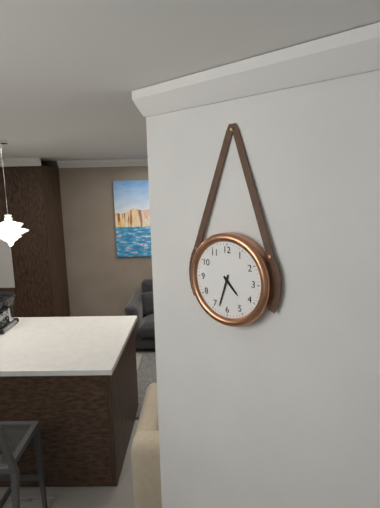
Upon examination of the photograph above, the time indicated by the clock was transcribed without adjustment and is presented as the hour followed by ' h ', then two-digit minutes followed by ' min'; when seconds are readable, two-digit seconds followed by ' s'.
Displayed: 4 h 33 min
